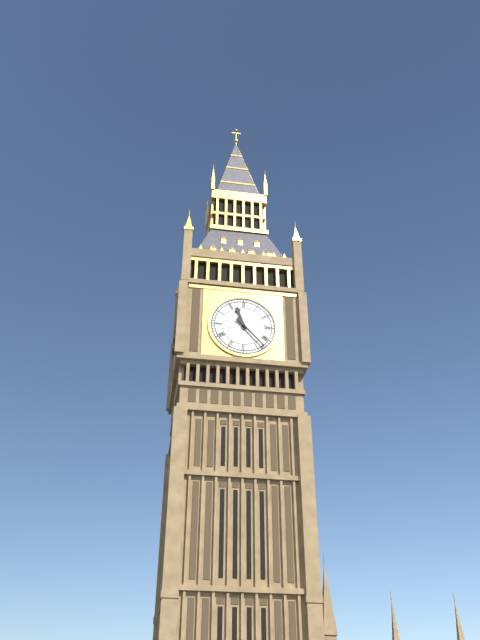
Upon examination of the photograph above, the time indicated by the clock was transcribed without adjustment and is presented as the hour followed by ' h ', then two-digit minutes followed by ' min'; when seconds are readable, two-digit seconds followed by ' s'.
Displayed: 11 h 23 min
